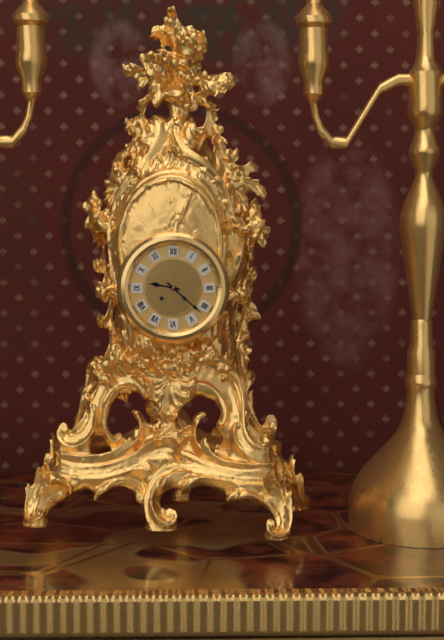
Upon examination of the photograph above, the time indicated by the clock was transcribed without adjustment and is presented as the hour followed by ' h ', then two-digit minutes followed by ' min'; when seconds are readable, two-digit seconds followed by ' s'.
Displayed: 9 h 22 min
